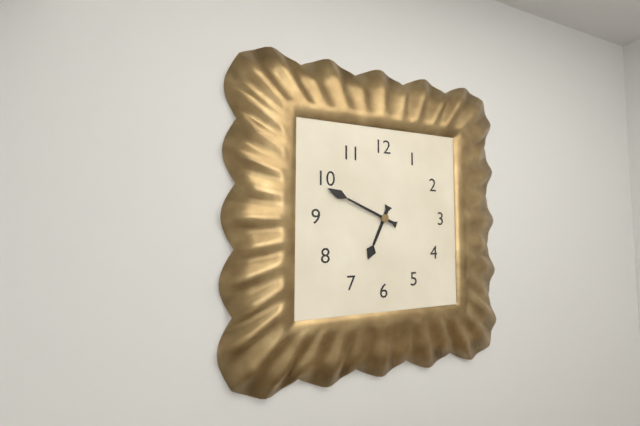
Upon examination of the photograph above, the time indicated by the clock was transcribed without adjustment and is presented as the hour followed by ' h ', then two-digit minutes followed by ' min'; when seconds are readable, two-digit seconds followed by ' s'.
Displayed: 6 h 49 min
